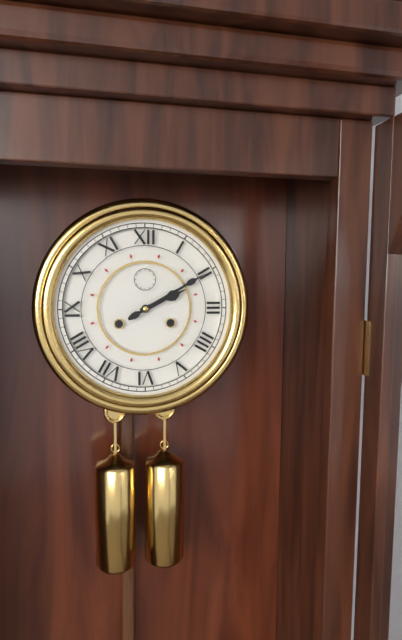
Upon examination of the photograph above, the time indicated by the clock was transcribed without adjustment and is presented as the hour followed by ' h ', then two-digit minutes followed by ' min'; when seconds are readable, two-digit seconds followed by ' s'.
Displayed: 2 h 10 min
